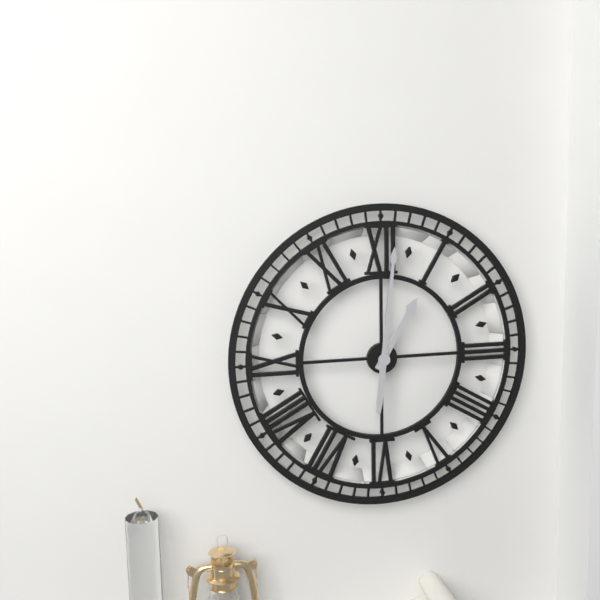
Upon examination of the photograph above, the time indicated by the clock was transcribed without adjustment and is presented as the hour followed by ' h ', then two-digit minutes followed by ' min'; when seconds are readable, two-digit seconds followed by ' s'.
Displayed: 1 h 01 min
